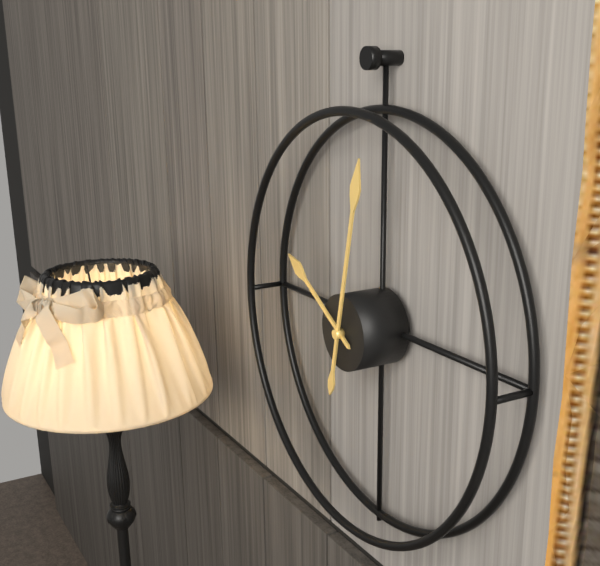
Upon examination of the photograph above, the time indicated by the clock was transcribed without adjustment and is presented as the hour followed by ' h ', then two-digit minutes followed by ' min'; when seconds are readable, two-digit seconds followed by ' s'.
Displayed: 10 h 02 min
